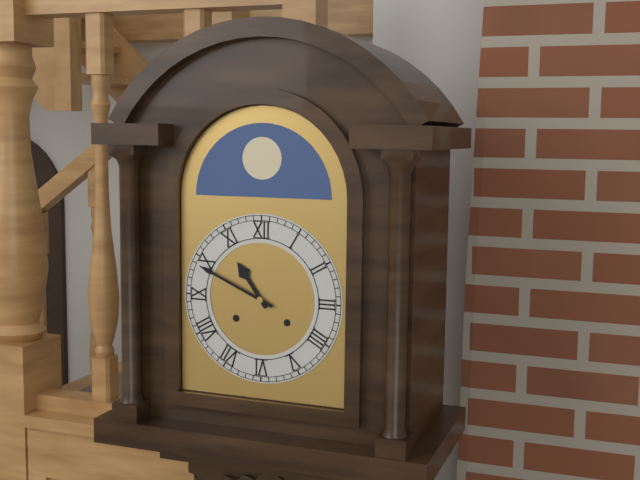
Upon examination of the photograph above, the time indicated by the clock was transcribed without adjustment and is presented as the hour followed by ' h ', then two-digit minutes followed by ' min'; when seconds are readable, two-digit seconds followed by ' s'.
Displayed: 10 h 49 min
